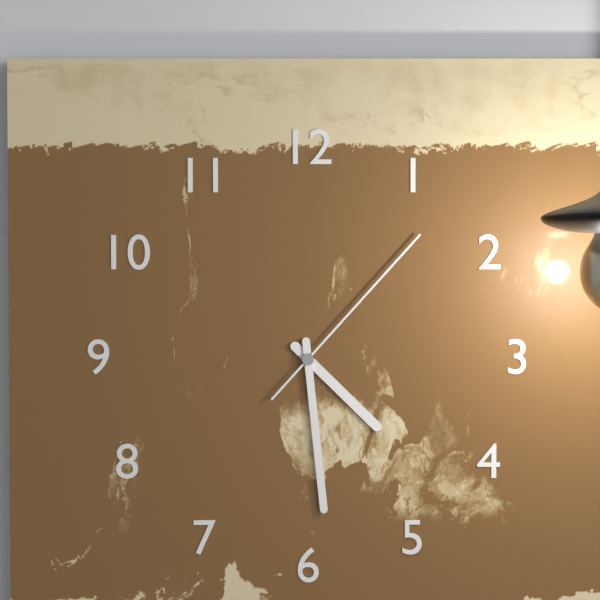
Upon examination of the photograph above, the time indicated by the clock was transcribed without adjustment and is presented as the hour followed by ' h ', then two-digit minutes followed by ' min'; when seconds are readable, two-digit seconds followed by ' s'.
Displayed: 4 h 29 min 07 s
